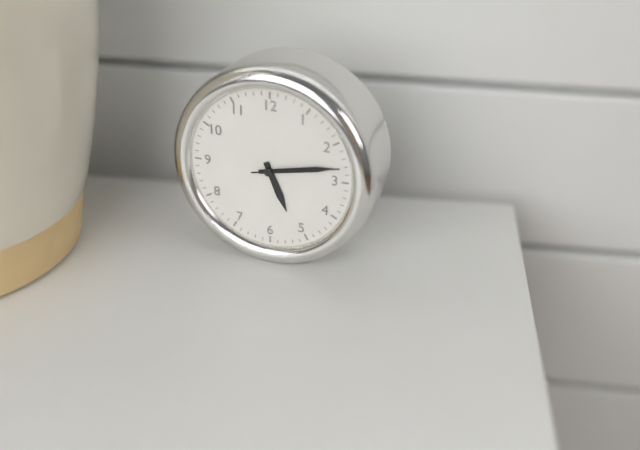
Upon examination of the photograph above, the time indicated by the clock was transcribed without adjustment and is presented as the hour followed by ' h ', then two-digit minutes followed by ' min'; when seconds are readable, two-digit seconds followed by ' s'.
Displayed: 5 h 13 min 13 s
